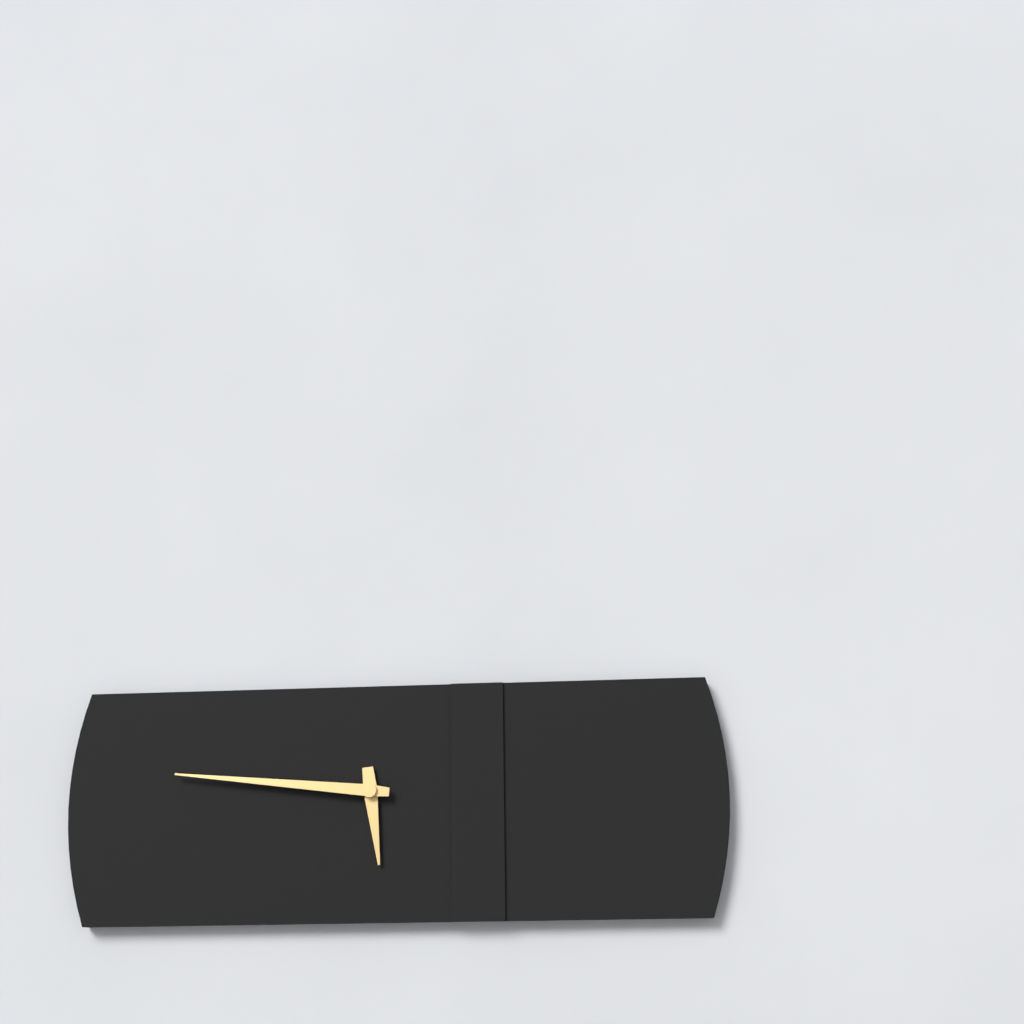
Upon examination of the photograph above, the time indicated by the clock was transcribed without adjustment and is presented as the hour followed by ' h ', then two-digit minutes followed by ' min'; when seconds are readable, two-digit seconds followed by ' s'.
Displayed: 5 h 46 min
